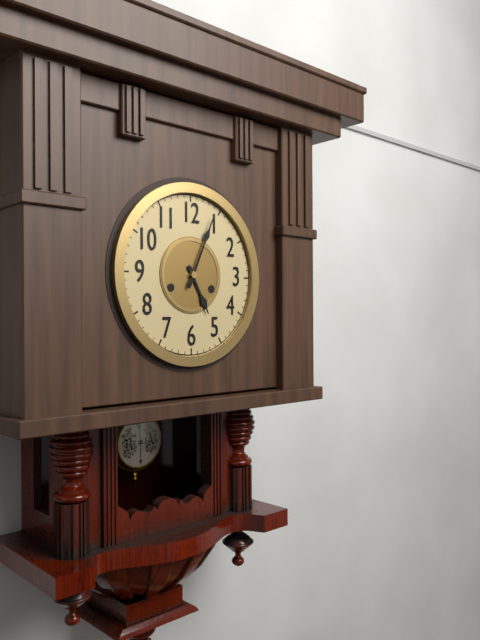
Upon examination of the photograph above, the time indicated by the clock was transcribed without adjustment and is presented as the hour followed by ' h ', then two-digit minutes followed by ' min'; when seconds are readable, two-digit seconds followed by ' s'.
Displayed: 5 h 04 min
